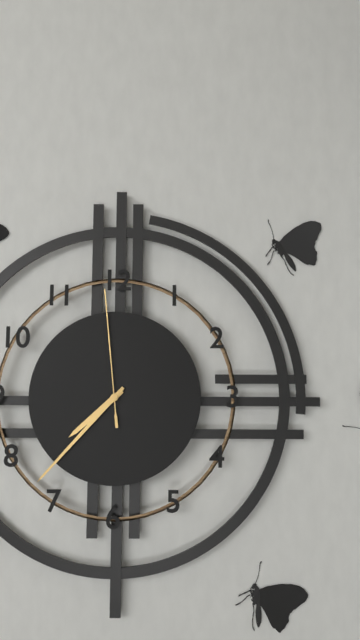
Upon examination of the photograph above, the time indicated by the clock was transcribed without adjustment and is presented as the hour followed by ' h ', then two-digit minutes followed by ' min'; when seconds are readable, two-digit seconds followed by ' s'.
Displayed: 7 h 37 min 59 s
